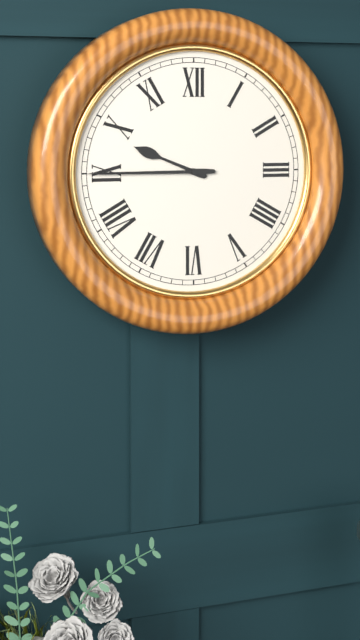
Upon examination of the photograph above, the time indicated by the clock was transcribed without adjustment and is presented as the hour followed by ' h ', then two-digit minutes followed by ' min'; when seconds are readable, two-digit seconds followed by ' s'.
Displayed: 9 h 45 min
